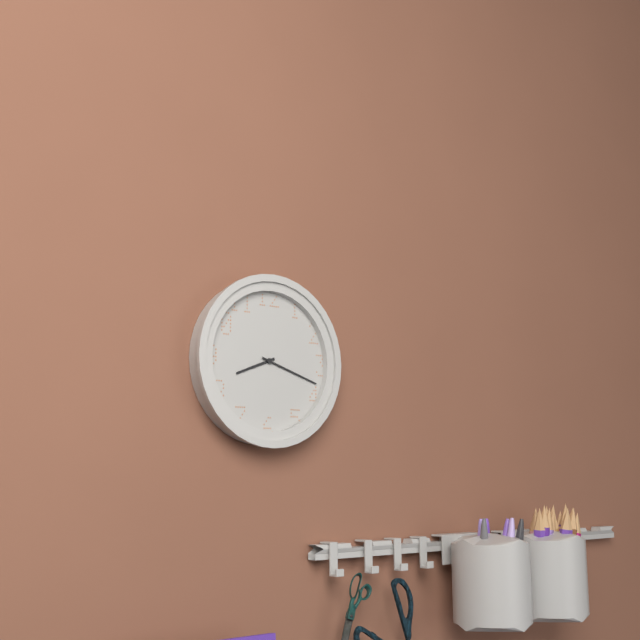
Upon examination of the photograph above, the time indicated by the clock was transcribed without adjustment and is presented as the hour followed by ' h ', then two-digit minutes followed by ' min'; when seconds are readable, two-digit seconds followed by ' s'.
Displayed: 8 h 18 min
